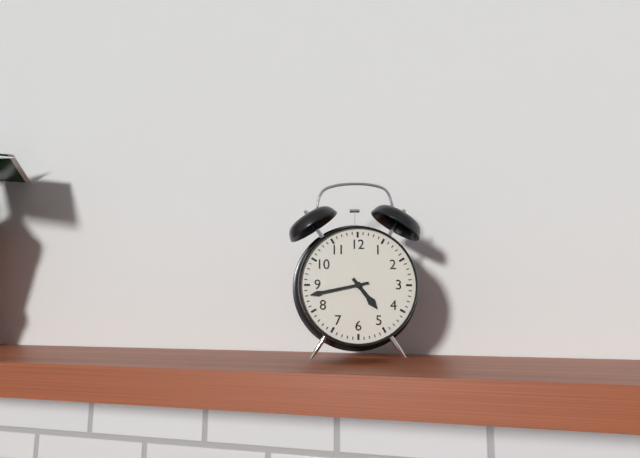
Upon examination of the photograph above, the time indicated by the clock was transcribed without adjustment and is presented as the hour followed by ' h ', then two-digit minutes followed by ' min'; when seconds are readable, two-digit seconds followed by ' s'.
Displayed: 4 h 43 min
